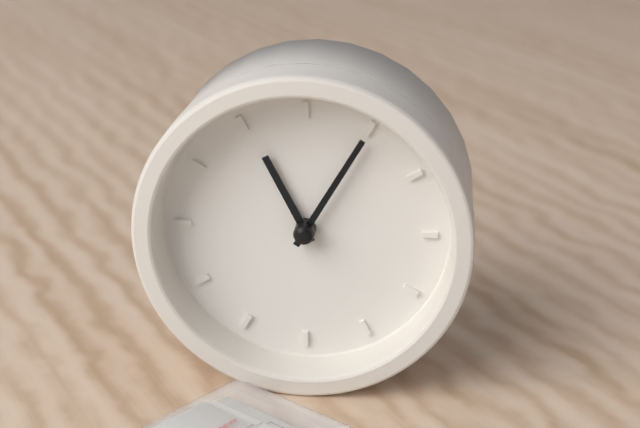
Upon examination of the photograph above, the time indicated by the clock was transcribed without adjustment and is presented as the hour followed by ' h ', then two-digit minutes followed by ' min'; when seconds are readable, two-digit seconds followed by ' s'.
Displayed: 11 h 05 min
